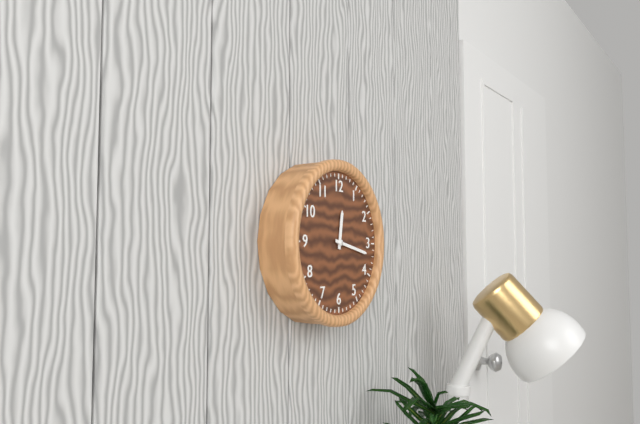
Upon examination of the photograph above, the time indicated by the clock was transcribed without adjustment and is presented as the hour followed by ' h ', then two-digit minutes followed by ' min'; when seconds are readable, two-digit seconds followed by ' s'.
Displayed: 12 h 17 min
